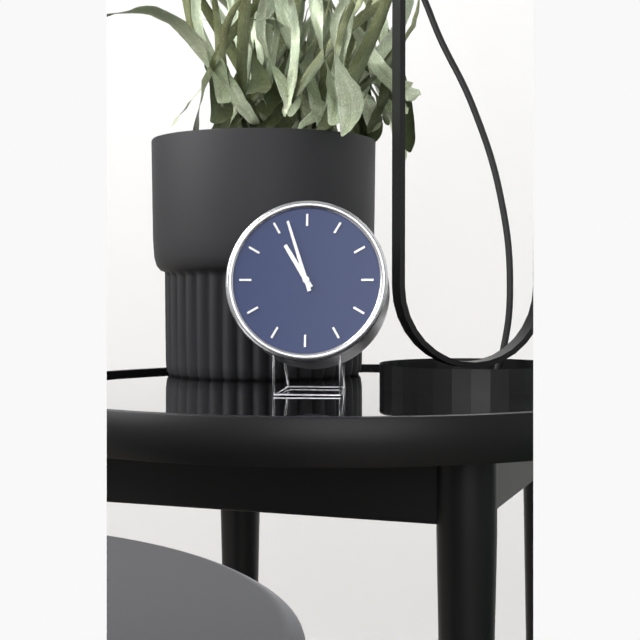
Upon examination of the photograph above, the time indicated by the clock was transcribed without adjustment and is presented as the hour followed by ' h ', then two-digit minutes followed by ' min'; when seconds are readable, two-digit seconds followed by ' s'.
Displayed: 10 h 57 min
